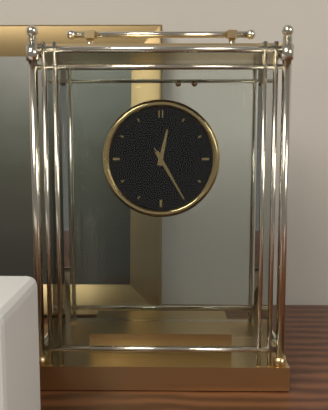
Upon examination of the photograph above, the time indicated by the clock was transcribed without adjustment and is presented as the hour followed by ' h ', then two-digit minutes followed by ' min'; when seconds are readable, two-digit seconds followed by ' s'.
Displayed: 12 h 25 min 25 s
